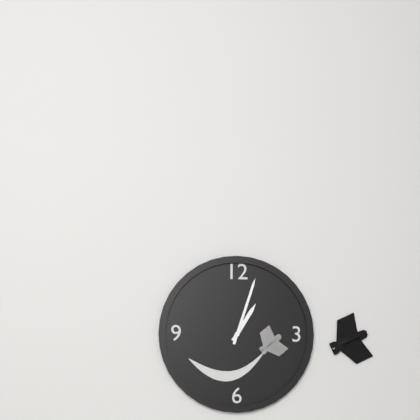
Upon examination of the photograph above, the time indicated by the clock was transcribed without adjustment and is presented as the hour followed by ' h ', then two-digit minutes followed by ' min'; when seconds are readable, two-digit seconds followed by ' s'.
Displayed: 1 h 03 min
